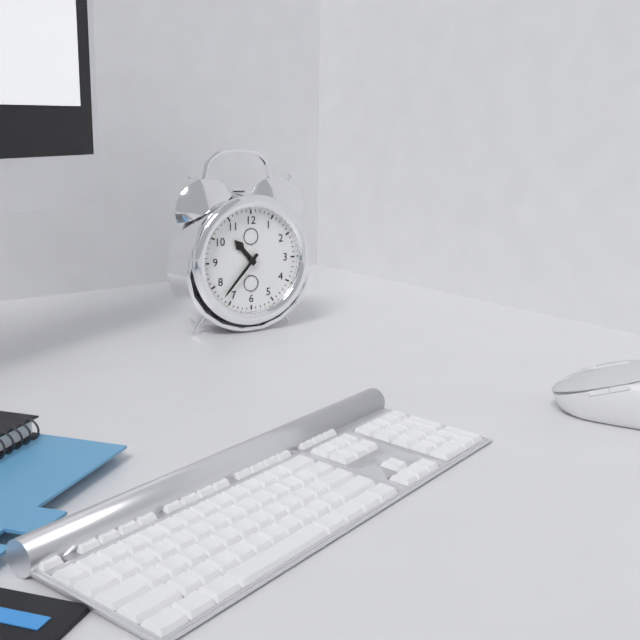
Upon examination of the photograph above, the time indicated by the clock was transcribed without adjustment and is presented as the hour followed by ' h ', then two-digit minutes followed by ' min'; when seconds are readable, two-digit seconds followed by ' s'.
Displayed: 10 h 37 min
